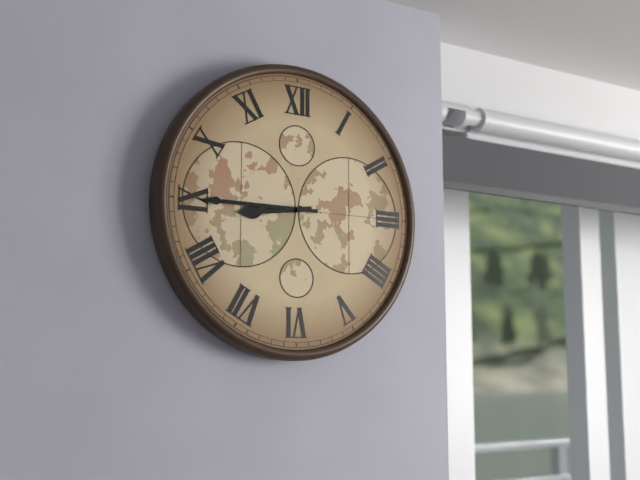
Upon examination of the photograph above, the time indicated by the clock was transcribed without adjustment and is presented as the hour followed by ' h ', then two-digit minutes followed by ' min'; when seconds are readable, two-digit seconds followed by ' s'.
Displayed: 8 h 45 min
